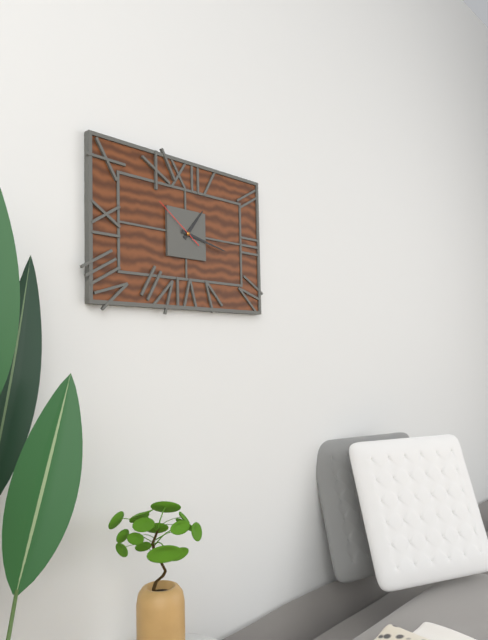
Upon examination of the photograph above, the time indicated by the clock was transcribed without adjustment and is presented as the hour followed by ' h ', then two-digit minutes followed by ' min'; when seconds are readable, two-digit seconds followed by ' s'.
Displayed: 1 h 17 min 51 s
